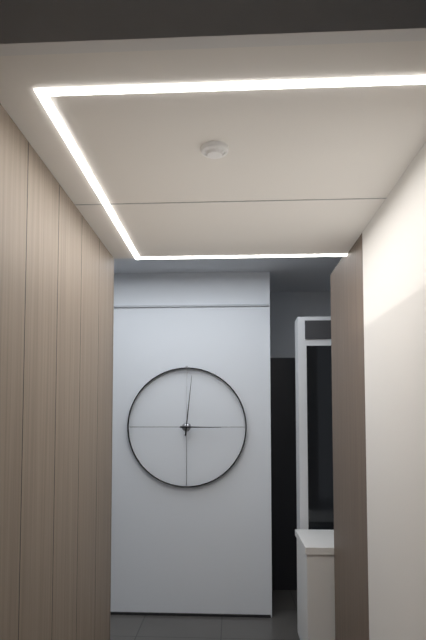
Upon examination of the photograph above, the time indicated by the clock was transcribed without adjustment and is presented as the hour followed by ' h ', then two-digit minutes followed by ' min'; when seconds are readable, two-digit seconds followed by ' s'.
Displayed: 3 h 01 min
